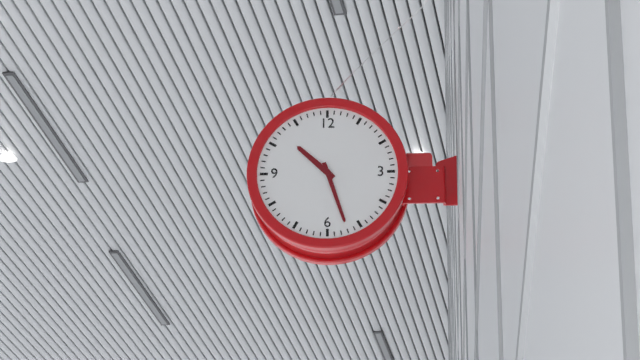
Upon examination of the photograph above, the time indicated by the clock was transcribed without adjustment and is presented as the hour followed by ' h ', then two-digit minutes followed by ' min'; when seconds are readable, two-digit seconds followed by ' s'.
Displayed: 10 h 27 min
